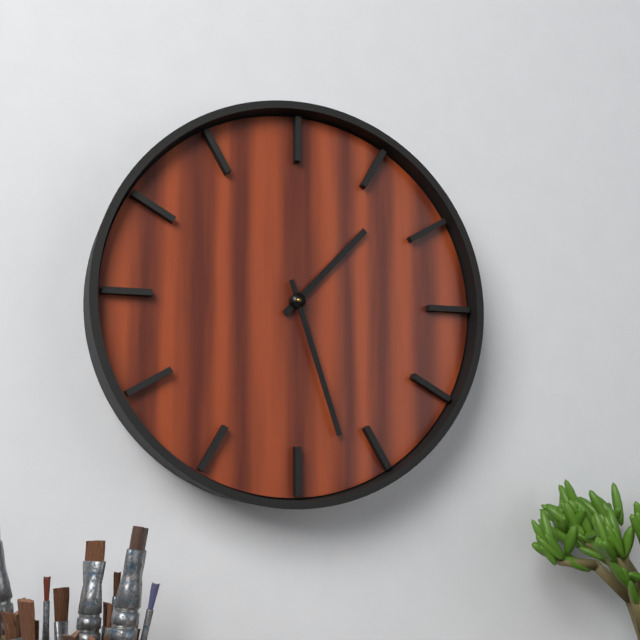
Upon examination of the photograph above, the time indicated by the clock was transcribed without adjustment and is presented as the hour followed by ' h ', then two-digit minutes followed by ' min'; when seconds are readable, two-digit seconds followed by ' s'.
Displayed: 1 h 27 min
